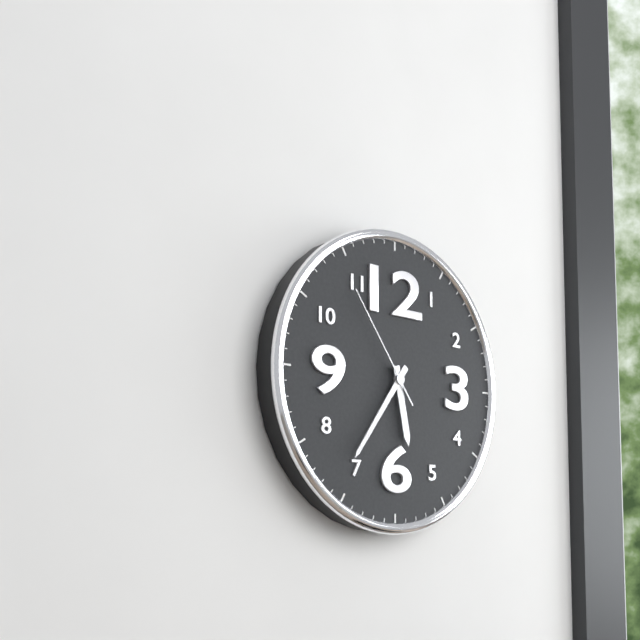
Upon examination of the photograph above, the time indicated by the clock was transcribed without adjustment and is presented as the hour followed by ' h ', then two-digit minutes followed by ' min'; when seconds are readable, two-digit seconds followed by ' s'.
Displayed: 5 h 36 min 54 s
